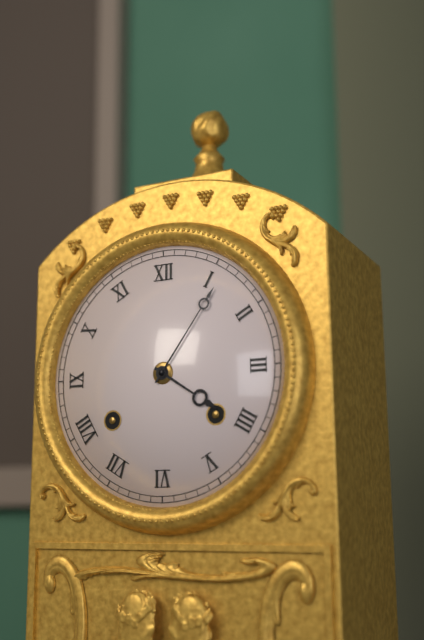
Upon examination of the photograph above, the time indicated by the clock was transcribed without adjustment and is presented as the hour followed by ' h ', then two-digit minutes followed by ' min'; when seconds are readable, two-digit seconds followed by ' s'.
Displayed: 4 h 06 min
